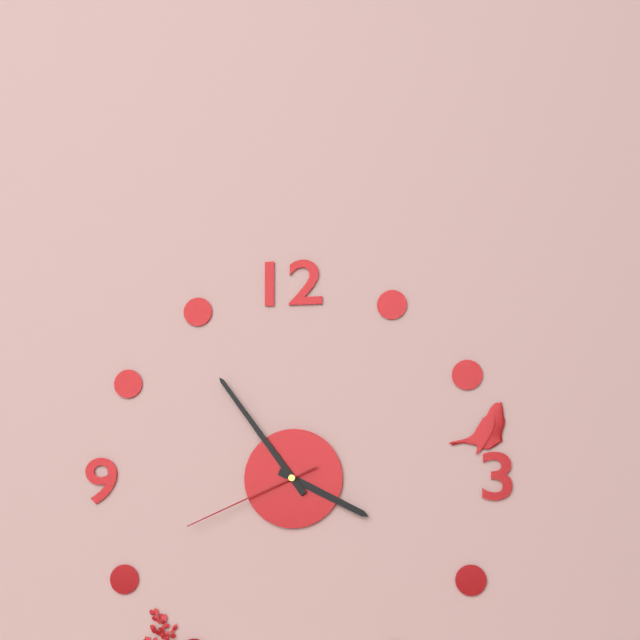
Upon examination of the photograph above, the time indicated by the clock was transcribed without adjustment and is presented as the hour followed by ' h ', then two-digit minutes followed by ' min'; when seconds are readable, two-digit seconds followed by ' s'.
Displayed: 3 h 54 min 41 s
